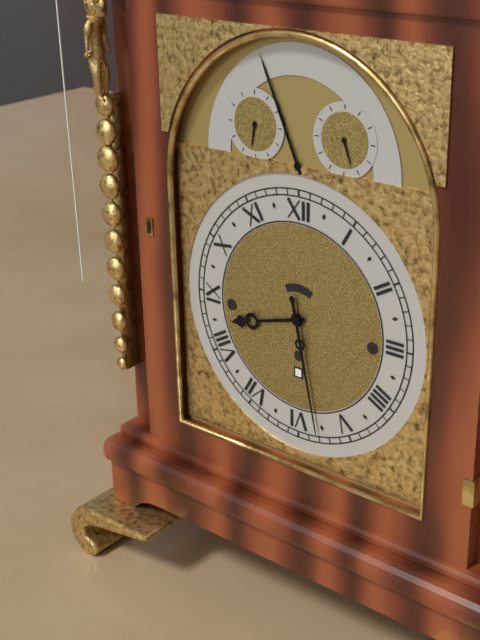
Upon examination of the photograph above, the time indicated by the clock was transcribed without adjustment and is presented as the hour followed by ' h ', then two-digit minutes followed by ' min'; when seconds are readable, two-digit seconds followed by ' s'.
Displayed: 8 h 28 min
